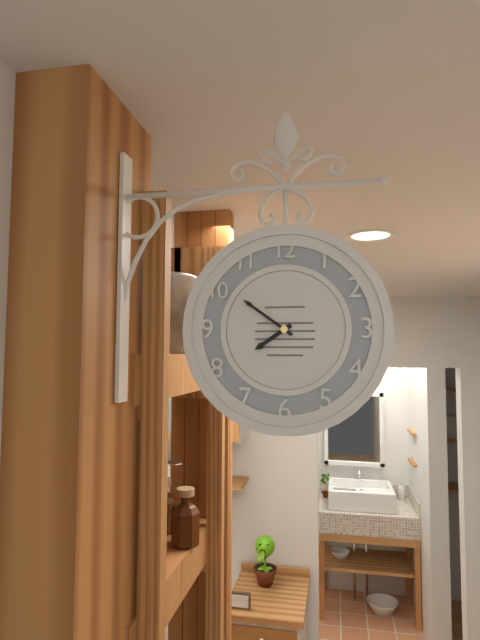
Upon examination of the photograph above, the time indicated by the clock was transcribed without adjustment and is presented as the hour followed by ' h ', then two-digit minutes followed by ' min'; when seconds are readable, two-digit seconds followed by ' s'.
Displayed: 7 h 51 min
